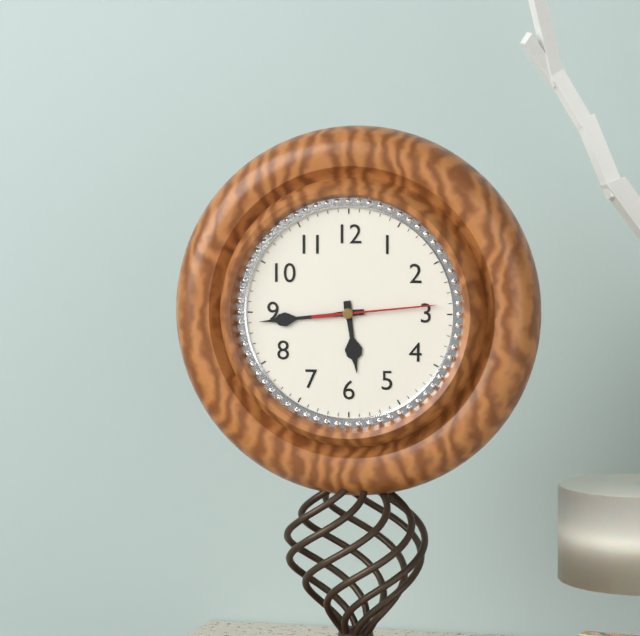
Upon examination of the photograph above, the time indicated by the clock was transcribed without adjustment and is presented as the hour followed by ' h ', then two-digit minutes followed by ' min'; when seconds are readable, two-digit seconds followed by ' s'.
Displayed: 5 h 44 min 14 s
